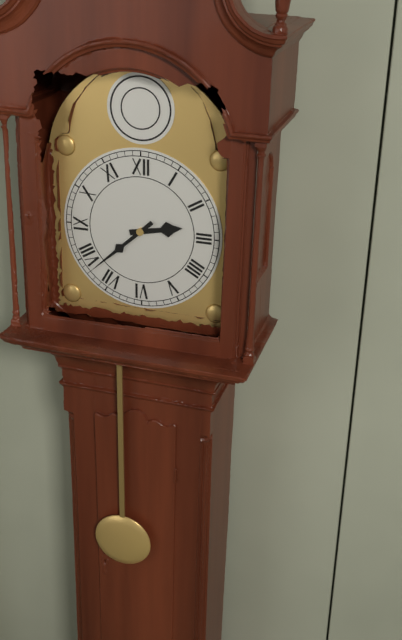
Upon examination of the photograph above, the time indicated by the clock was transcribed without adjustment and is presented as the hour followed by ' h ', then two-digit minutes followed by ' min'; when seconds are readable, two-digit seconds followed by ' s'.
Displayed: 2 h 38 min
